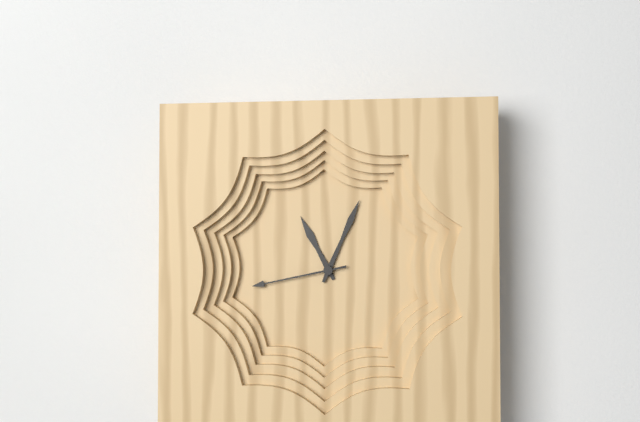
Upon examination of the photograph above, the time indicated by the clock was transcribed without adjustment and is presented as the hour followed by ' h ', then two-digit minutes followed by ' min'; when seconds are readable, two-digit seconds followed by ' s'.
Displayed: 11 h 04 min 43 s
